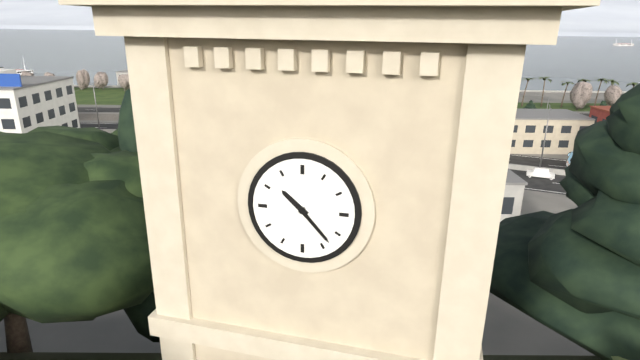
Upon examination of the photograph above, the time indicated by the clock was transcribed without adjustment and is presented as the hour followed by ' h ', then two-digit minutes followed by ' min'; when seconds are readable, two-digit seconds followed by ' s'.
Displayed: 10 h 23 min
